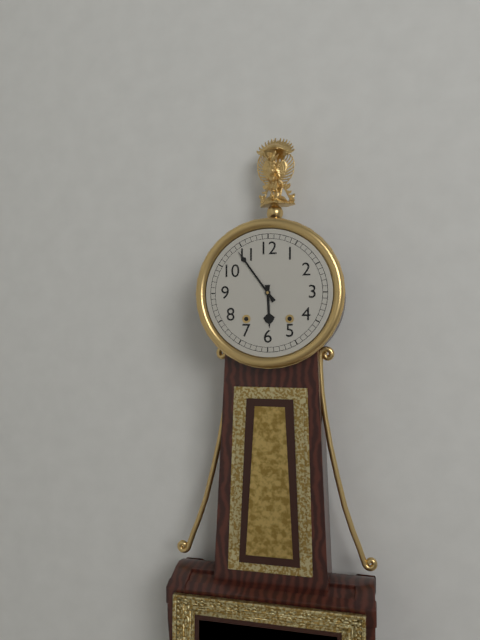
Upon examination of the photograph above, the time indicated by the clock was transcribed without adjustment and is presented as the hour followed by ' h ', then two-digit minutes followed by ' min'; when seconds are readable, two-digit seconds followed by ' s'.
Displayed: 5 h 54 min
